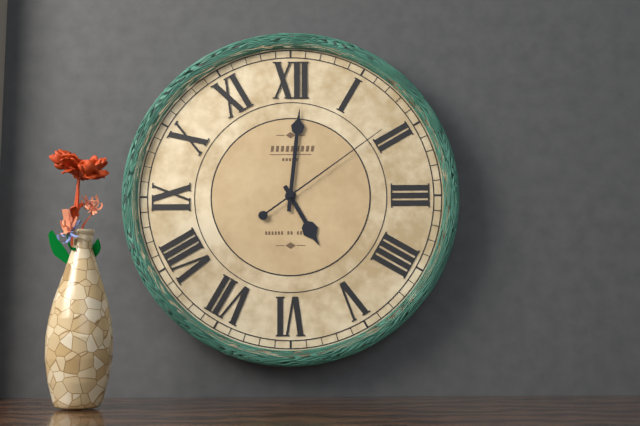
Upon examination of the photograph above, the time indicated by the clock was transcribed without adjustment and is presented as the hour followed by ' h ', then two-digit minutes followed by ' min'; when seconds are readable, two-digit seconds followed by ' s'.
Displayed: 5 h 01 min 09 s
